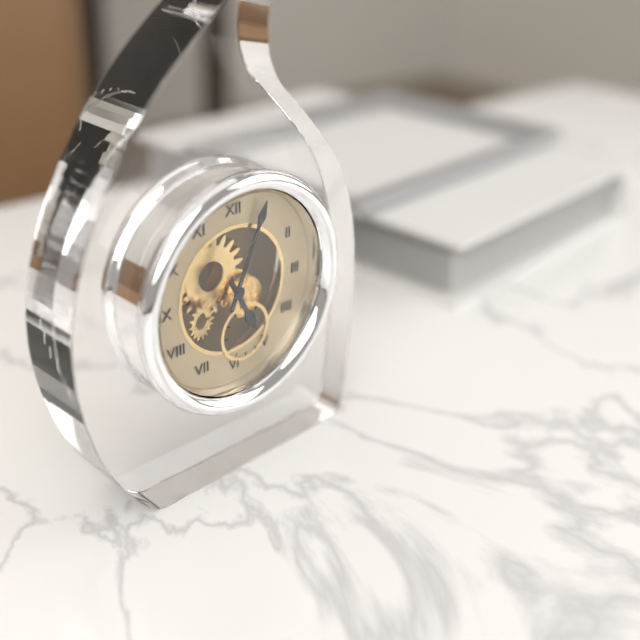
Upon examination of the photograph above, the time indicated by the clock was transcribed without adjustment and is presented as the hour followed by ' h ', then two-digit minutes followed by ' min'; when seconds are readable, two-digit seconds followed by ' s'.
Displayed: 5 h 04 min
